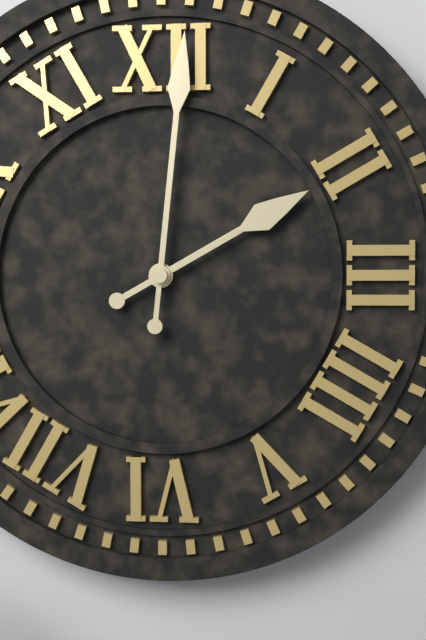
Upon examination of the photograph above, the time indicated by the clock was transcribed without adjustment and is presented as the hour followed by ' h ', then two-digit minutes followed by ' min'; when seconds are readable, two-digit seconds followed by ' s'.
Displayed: 2 h 01 min
